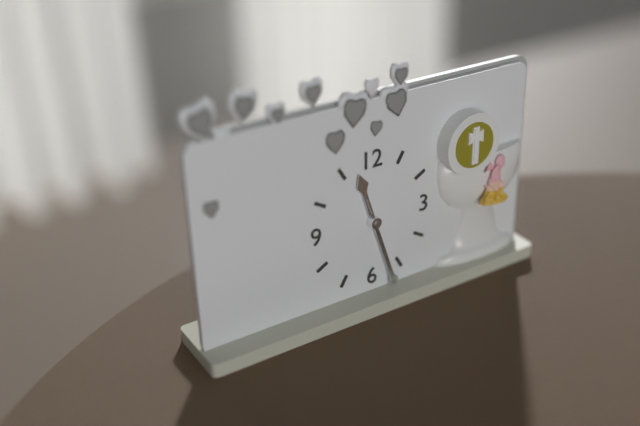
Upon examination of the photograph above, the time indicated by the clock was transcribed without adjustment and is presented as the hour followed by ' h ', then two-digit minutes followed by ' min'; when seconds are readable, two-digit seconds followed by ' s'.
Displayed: 11 h 27 min 27 s
